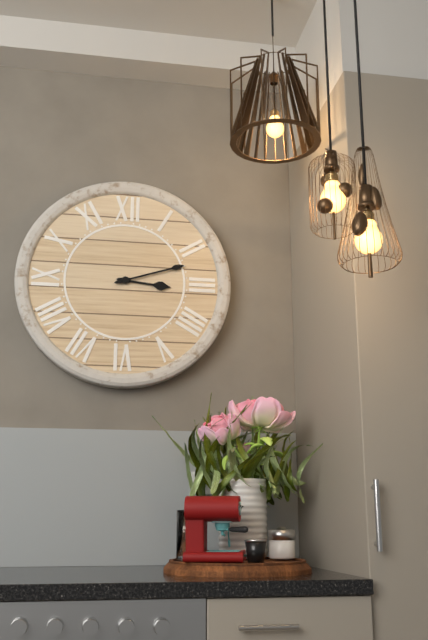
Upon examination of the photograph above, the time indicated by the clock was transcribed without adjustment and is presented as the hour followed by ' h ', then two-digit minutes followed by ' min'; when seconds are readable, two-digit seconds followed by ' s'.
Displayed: 3 h 12 min
